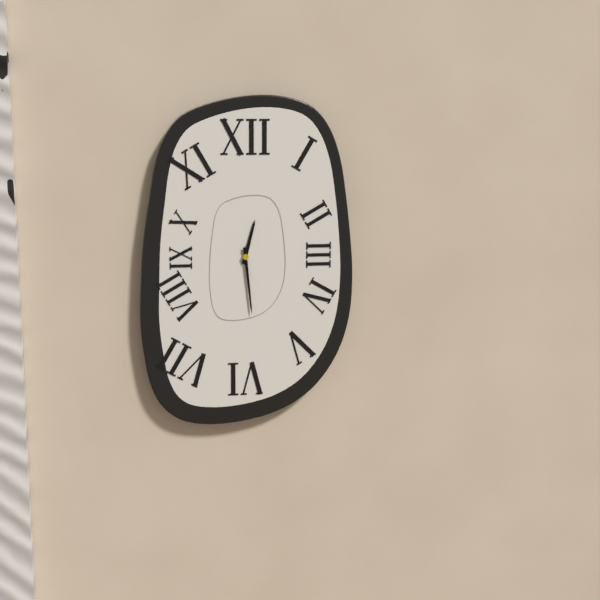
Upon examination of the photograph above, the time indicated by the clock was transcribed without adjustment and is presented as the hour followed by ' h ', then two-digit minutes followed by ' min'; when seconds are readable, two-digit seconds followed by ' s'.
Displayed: 12 h 29 min
